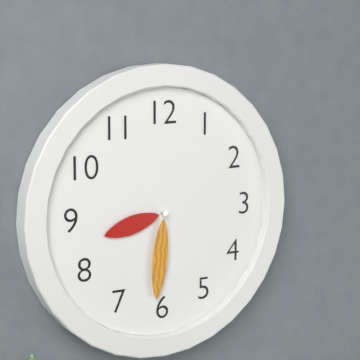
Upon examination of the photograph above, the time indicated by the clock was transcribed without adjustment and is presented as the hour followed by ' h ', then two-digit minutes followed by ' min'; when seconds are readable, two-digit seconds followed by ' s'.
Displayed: 8 h 31 min
